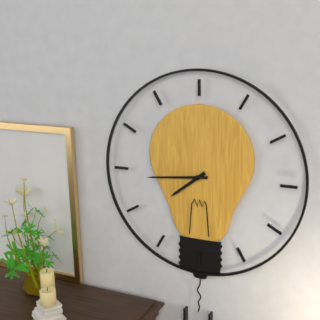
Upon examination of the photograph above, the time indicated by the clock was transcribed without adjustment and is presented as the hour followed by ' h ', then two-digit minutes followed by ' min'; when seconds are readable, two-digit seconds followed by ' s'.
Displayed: 7 h 44 min
